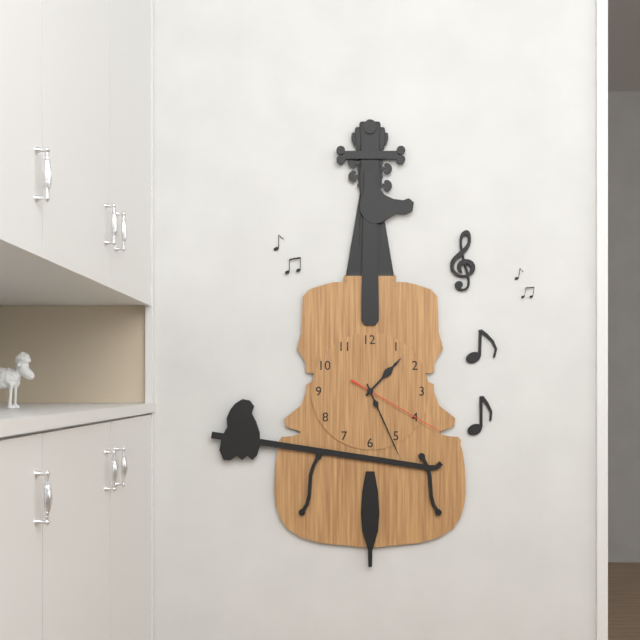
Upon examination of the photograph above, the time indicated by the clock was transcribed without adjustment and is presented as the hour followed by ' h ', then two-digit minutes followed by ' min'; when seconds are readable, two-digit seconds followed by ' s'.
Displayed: 1 h 26 min 20 s
